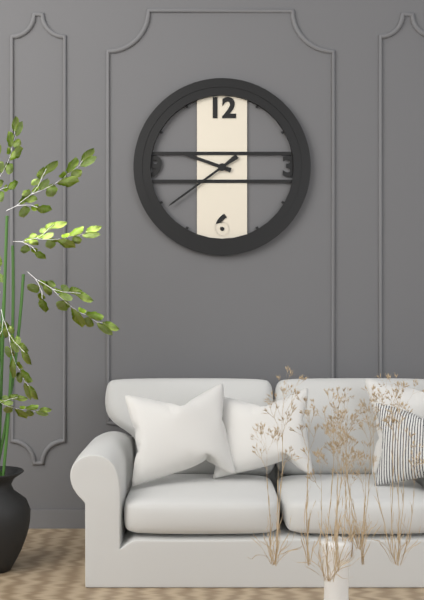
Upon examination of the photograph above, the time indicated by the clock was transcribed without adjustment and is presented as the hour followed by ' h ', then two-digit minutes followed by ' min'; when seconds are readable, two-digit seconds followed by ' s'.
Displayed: 9 h 39 min
